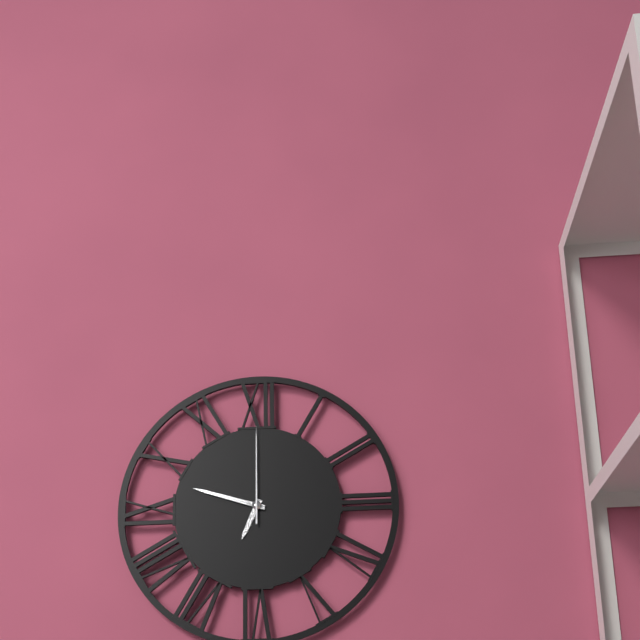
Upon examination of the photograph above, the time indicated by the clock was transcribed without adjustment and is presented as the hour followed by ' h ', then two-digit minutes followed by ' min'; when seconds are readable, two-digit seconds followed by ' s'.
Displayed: 6 h 48 min 00 s
